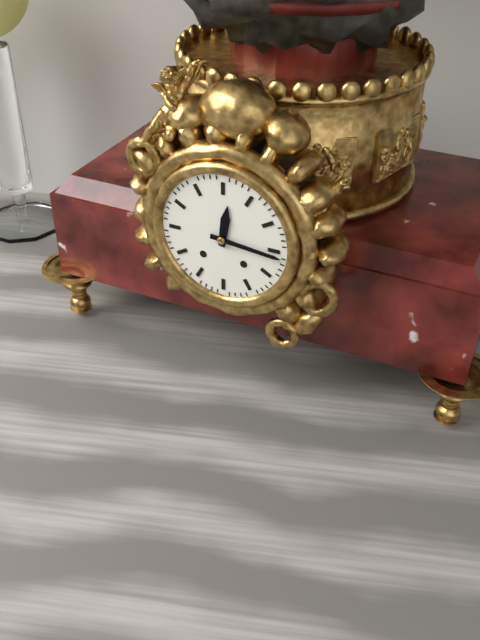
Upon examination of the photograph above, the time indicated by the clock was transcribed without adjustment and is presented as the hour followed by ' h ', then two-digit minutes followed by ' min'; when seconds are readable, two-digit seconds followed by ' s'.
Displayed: 12 h 16 min
